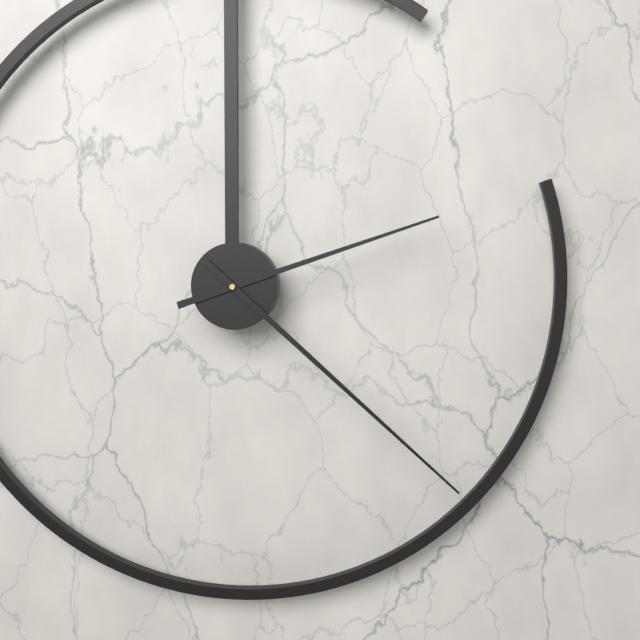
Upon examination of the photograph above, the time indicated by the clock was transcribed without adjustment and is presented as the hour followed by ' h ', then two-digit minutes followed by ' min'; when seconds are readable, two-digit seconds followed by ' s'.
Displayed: 2 h 22 min
